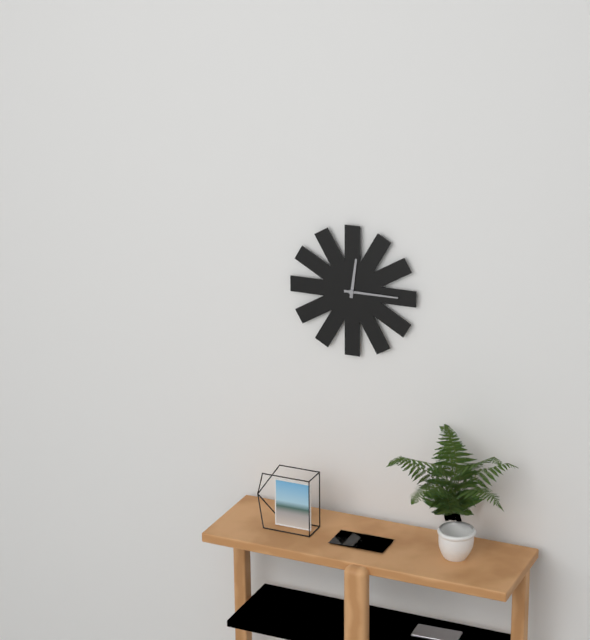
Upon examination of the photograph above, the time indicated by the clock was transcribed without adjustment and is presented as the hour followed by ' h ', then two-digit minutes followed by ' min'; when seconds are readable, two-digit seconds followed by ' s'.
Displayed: 12 h 15 min
